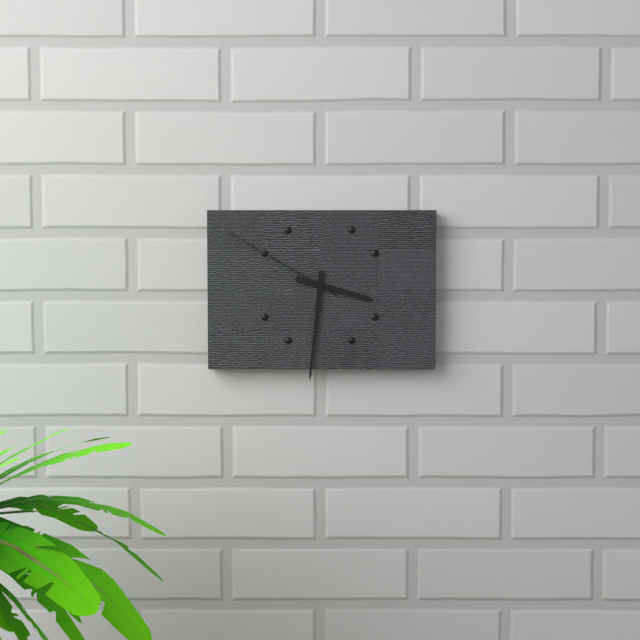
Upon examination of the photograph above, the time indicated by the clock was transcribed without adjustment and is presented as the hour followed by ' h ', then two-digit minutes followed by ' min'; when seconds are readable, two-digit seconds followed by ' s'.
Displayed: 3 h 31 min 50 s
